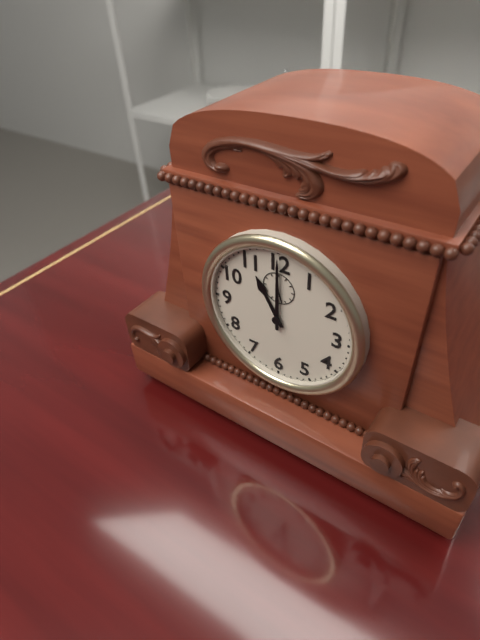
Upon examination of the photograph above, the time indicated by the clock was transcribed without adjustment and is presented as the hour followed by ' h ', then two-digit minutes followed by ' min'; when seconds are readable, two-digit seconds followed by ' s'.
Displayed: 11 h 00 min
